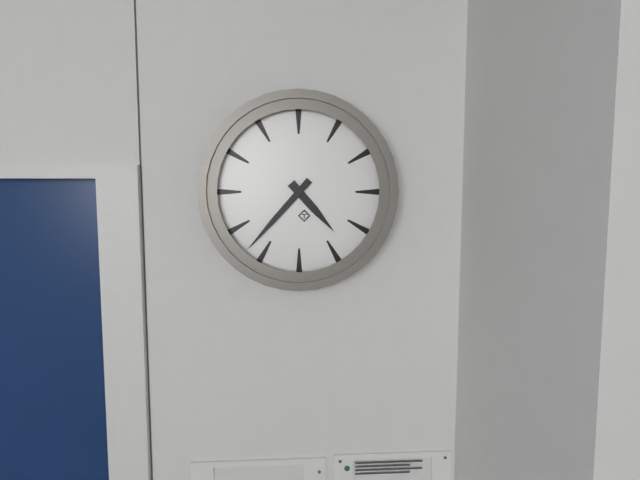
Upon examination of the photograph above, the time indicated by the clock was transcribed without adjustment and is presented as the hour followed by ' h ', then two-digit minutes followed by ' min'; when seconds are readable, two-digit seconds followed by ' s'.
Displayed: 4 h 37 min
